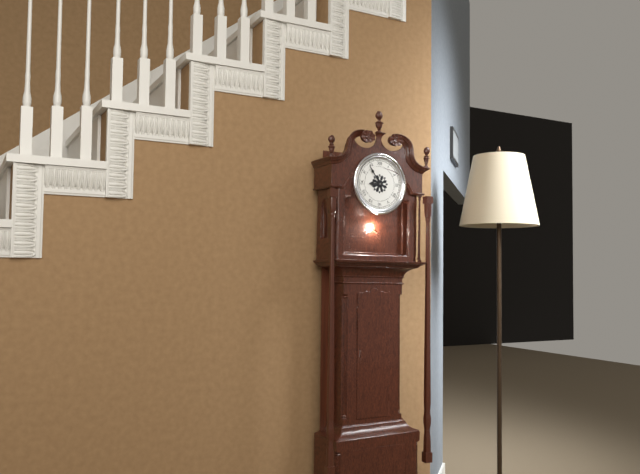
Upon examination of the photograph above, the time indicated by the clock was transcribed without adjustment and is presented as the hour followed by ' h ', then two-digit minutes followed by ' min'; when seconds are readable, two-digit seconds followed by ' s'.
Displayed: 8 h 54 min
